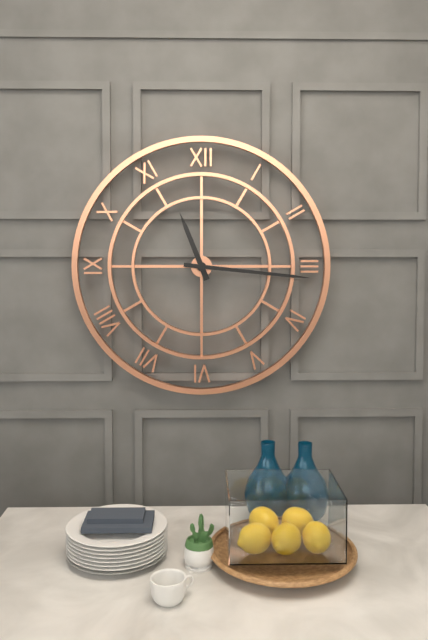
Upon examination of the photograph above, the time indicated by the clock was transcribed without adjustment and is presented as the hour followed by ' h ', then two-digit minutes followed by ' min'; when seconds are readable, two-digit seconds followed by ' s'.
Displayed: 11 h 16 min
